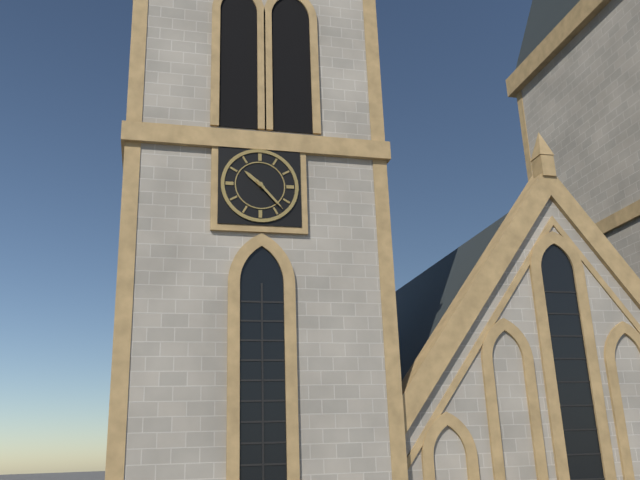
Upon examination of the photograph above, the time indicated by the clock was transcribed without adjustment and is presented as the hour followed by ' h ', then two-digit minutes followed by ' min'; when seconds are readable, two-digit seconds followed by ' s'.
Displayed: 10 h 23 min
